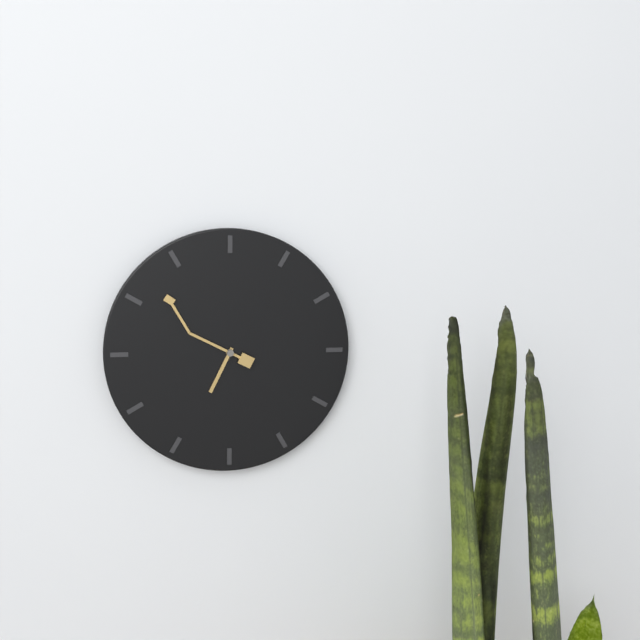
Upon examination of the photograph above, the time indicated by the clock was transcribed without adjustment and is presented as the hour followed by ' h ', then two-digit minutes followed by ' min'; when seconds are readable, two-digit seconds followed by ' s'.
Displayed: 6 h 52 min
